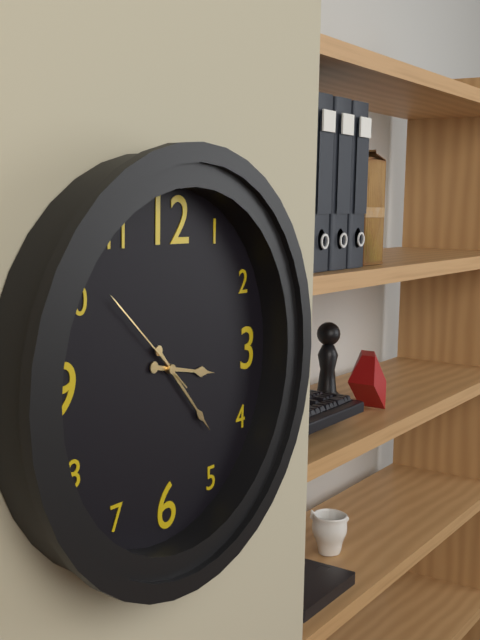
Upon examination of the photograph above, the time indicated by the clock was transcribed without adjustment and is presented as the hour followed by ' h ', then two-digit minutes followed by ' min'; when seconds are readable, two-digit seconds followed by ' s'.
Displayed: 3 h 23 min 52 s
